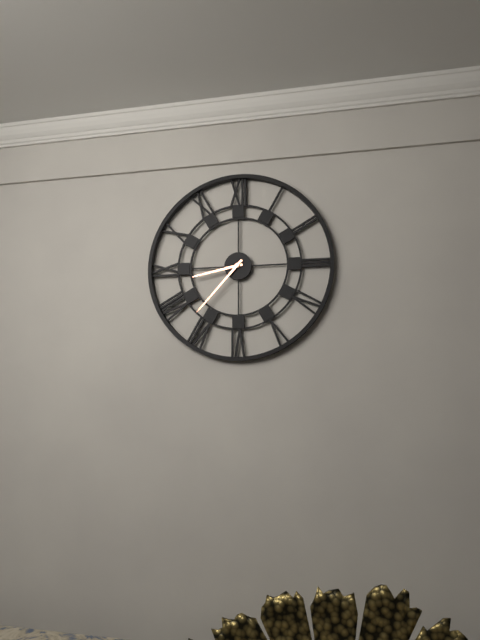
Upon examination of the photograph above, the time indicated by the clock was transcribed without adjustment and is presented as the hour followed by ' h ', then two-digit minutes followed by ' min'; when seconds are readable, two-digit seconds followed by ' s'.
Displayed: 8 h 37 min
